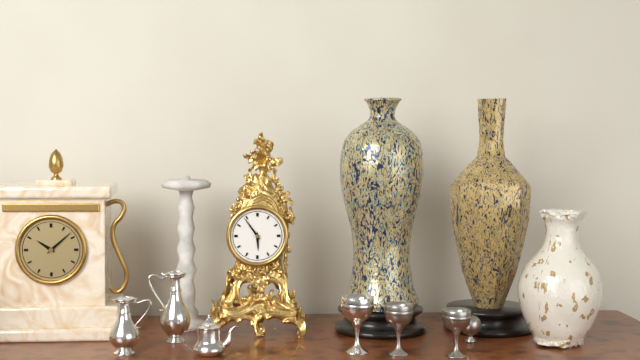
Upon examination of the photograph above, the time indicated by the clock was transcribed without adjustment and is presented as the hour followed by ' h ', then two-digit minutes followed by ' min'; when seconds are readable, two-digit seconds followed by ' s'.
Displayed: 5 h 54 min
